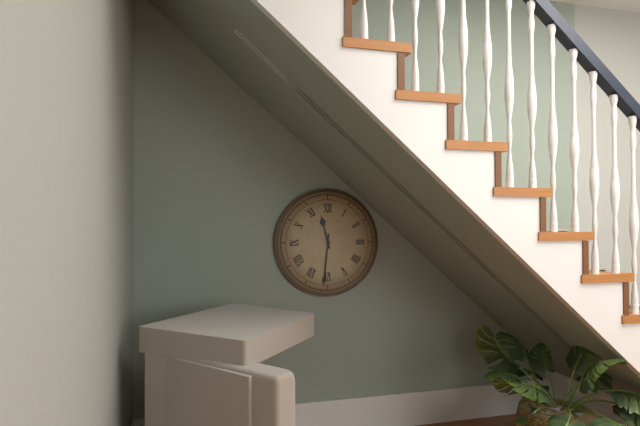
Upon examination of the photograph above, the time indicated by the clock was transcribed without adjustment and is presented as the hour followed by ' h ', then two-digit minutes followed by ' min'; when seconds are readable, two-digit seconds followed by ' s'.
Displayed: 11 h 31 min
